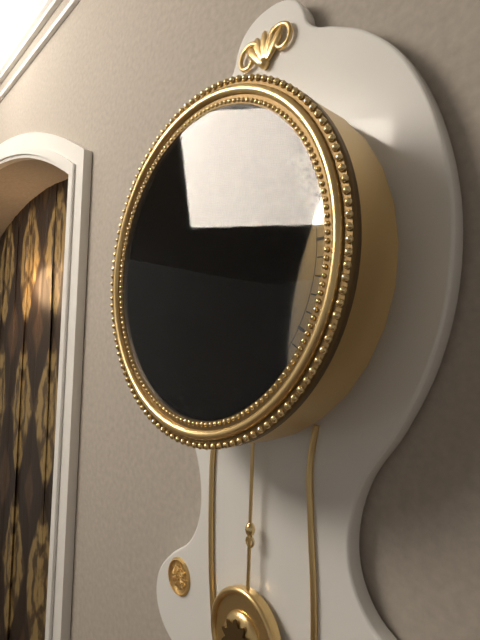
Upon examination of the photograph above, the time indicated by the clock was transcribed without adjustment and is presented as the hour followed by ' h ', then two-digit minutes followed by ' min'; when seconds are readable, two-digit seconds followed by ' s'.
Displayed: 9 h 36 min
